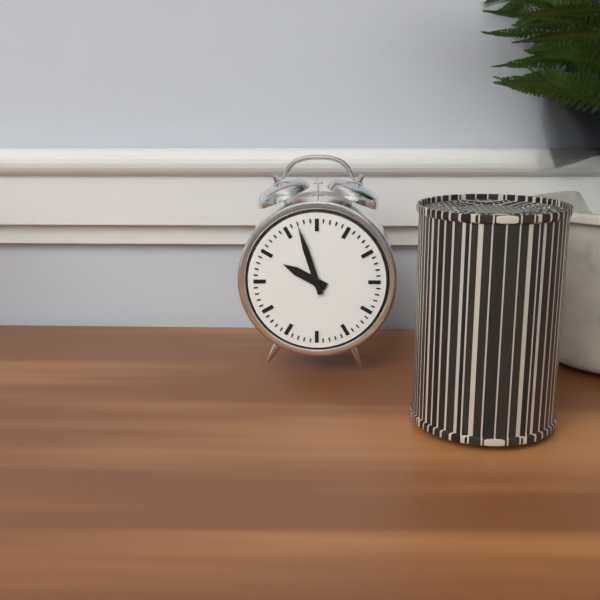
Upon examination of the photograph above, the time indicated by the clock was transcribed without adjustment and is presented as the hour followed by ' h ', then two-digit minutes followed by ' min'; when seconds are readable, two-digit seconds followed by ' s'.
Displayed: 9 h 57 min
